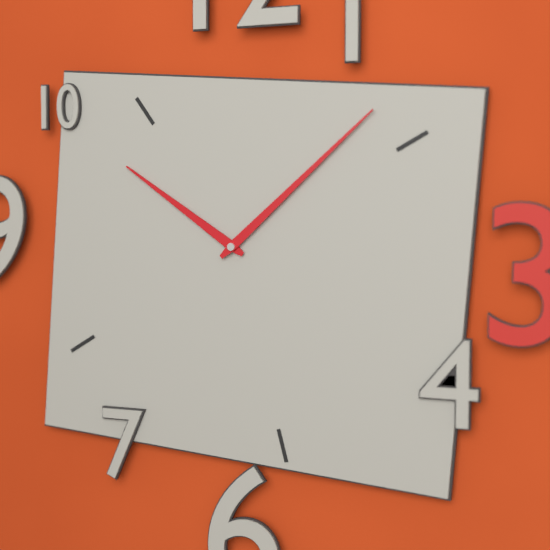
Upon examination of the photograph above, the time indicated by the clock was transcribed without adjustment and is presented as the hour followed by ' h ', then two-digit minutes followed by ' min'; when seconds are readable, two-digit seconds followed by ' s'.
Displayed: 10 h 08 min
